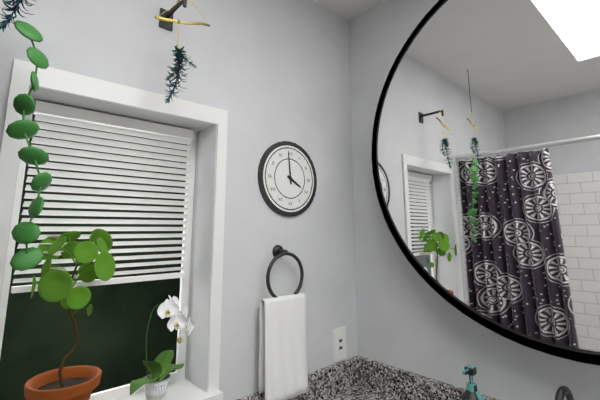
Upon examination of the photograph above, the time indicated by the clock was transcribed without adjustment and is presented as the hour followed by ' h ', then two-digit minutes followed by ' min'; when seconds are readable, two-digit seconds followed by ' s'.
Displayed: 3 h 59 min
